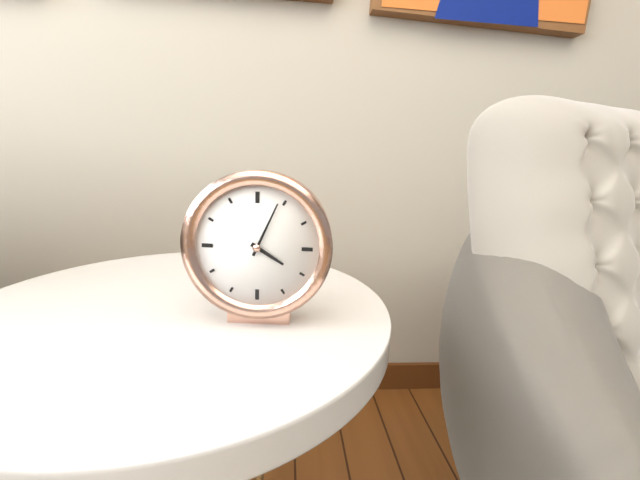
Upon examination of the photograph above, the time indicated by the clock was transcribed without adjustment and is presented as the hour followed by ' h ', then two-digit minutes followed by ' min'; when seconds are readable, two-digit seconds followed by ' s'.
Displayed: 4 h 04 min
